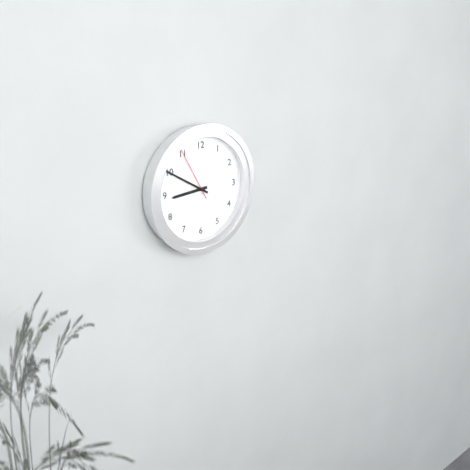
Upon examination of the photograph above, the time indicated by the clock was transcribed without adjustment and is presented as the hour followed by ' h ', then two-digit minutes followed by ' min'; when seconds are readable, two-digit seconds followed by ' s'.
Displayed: 8 h 50 min 55 s
